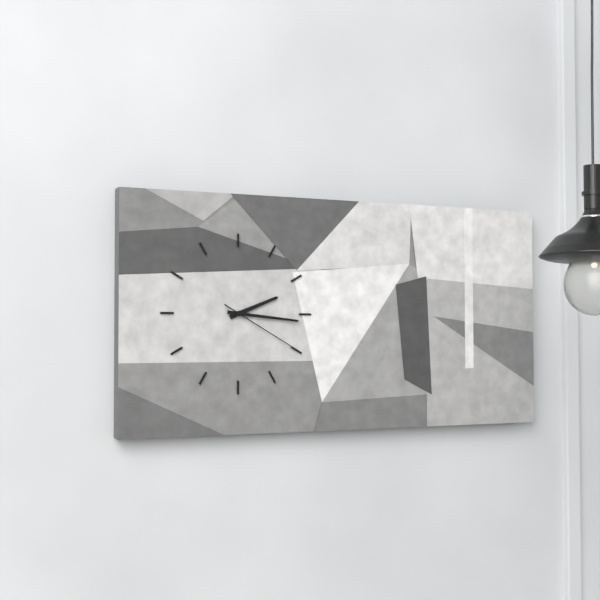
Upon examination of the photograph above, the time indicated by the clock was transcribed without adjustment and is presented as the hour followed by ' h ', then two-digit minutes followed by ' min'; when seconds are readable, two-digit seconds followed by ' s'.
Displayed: 2 h 16 min 20 s
